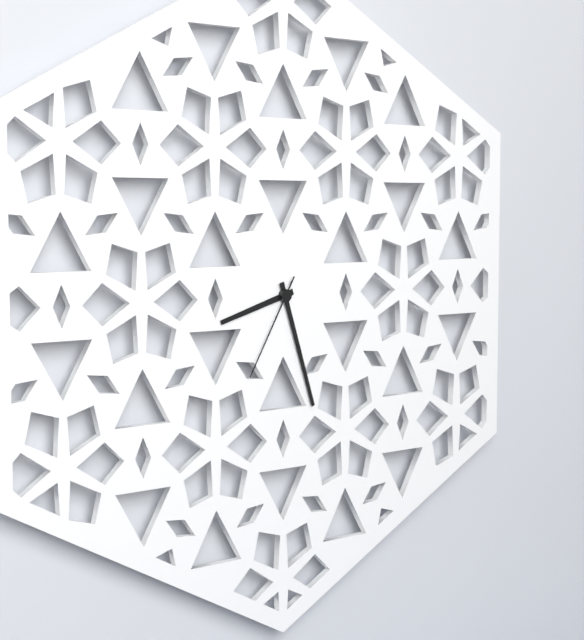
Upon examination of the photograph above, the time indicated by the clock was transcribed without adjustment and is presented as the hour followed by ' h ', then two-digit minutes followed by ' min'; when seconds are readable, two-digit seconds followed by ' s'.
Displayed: 8 h 27 min 35 s
